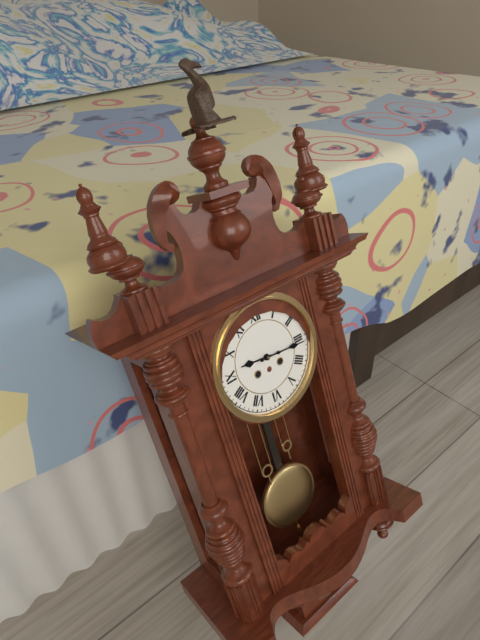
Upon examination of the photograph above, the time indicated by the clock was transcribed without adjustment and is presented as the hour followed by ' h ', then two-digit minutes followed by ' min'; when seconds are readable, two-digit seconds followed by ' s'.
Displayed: 9 h 16 min
